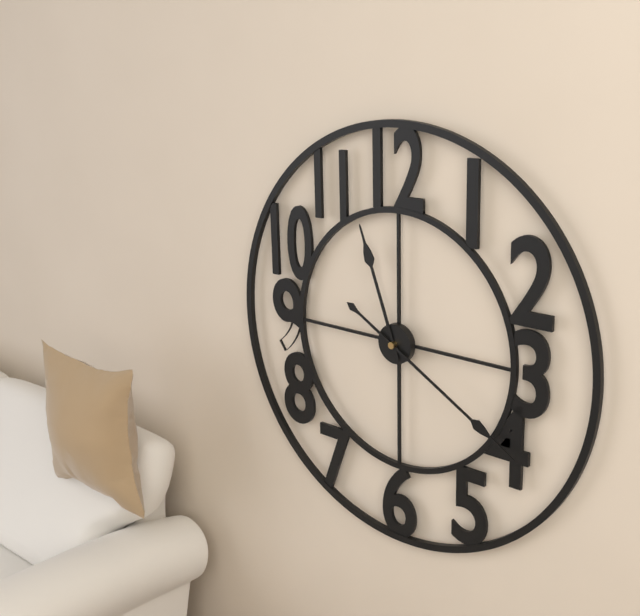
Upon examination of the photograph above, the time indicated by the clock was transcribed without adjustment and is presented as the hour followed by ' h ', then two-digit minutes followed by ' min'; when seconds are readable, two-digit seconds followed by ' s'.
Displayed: 11 h 20 min
